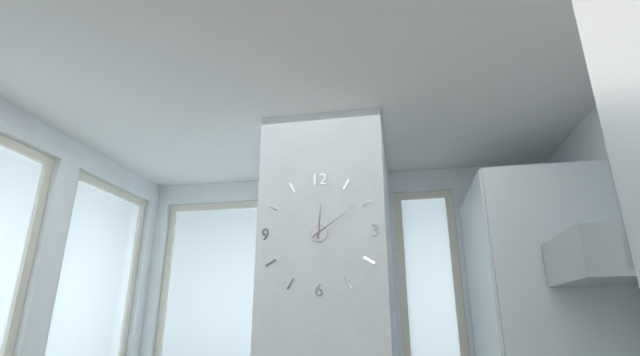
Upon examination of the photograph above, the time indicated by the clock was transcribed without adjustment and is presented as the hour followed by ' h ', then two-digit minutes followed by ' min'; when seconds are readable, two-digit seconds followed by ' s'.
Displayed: 12 h 09 min
